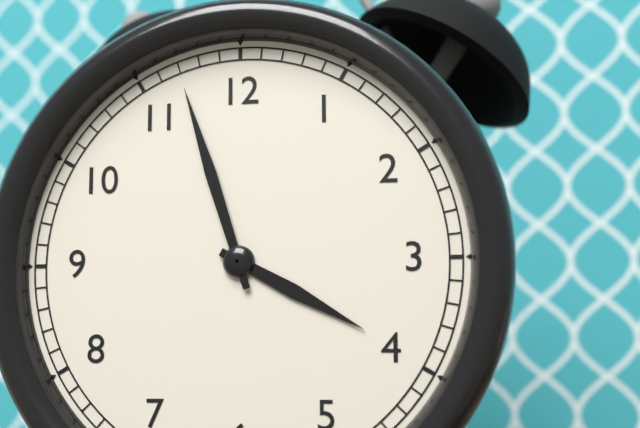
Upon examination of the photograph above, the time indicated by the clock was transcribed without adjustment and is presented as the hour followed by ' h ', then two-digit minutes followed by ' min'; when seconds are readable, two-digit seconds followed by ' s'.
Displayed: 3 h 57 min
